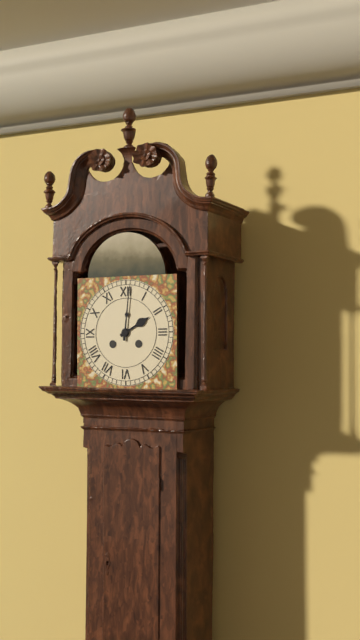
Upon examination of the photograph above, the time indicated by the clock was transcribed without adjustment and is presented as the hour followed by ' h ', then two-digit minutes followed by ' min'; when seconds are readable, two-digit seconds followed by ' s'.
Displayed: 2 h 01 min
